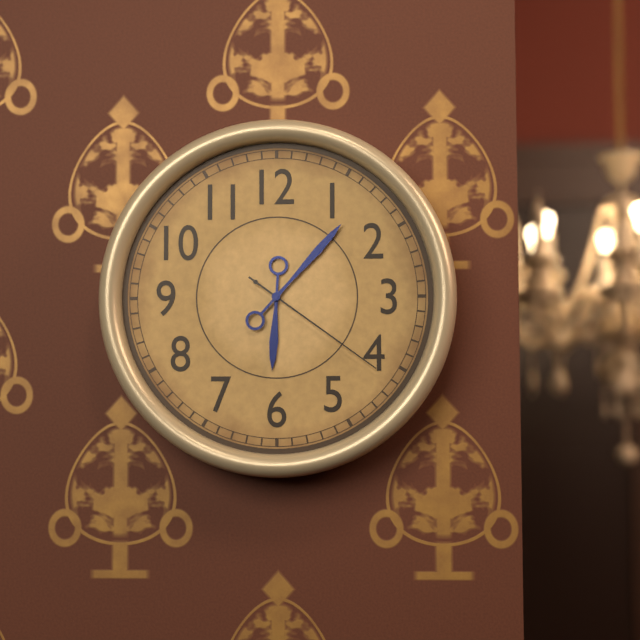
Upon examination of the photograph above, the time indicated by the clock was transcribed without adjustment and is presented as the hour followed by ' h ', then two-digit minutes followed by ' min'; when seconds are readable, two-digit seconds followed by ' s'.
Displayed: 6 h 07 min 21 s
